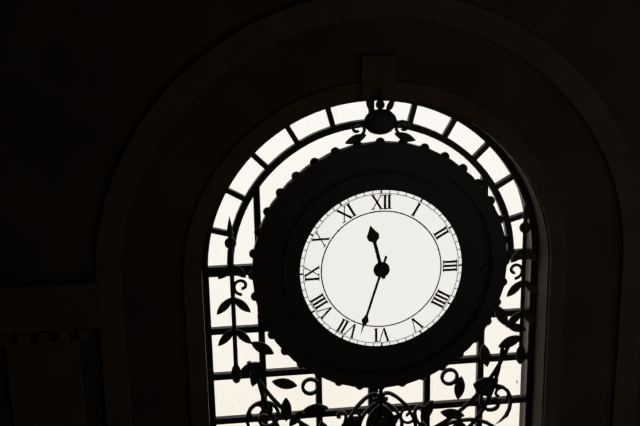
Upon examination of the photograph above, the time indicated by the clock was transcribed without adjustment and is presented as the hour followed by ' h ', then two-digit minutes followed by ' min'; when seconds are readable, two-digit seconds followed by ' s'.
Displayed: 11 h 33 min
